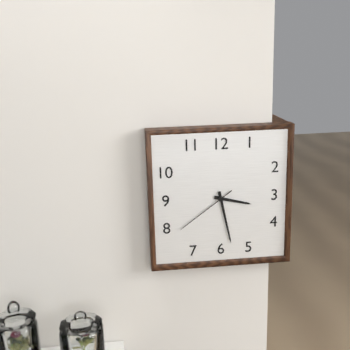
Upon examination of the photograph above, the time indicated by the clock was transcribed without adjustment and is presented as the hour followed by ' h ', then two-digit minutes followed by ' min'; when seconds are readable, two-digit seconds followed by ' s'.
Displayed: 3 h 28 min 39 s
